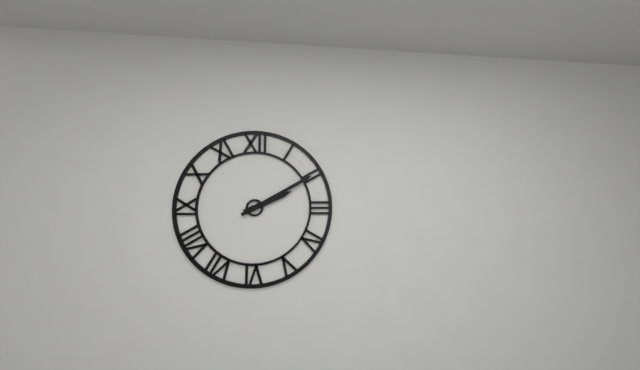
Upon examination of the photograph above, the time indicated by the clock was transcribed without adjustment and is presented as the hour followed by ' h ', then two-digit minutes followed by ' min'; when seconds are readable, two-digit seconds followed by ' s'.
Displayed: 2 h 10 min
